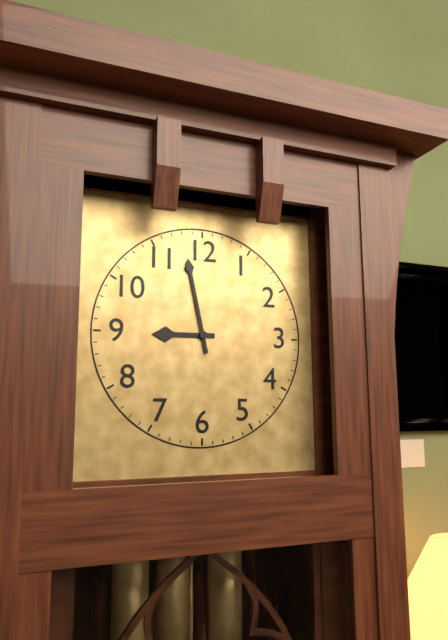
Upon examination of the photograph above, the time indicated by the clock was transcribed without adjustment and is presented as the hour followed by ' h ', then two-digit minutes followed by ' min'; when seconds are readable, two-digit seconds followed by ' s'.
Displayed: 8 h 58 min
